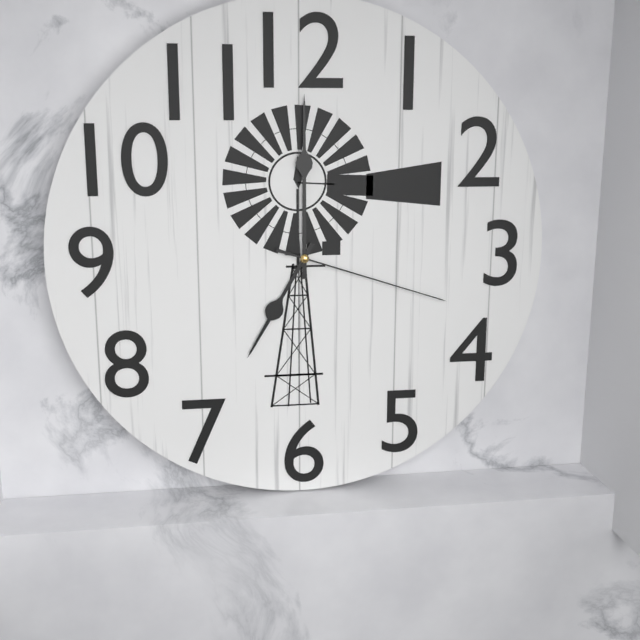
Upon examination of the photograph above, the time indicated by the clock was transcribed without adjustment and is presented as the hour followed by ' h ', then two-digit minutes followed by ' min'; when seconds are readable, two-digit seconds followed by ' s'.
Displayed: 7 h 00 min 18 s
